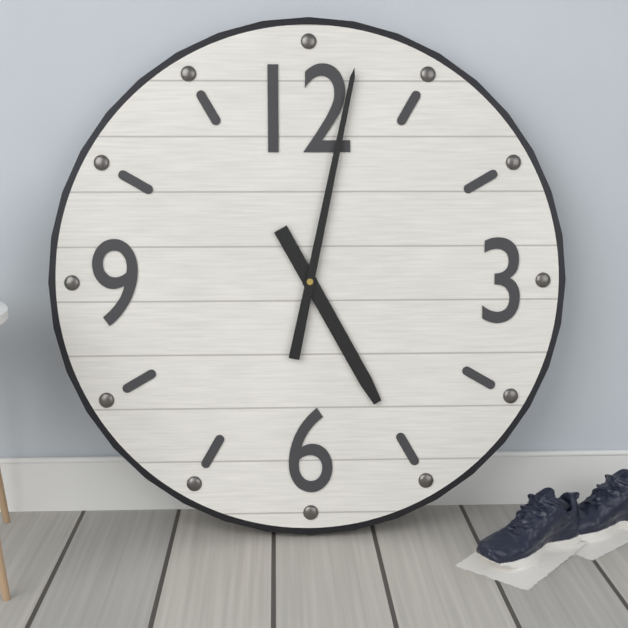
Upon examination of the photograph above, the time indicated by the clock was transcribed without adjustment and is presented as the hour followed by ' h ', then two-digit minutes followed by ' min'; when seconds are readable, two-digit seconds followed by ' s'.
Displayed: 5 h 02 min
